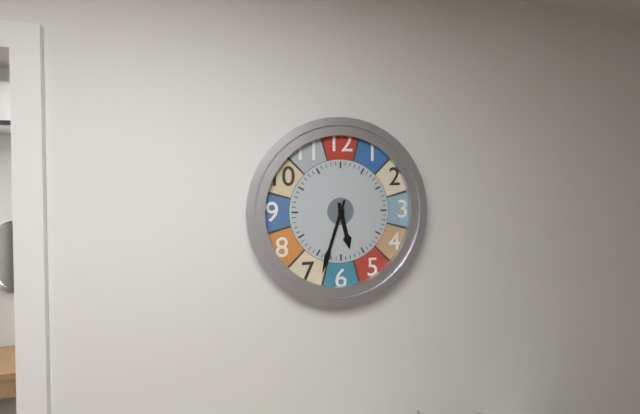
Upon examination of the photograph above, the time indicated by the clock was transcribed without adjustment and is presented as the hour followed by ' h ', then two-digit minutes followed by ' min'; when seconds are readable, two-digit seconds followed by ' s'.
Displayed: 5 h 33 min
